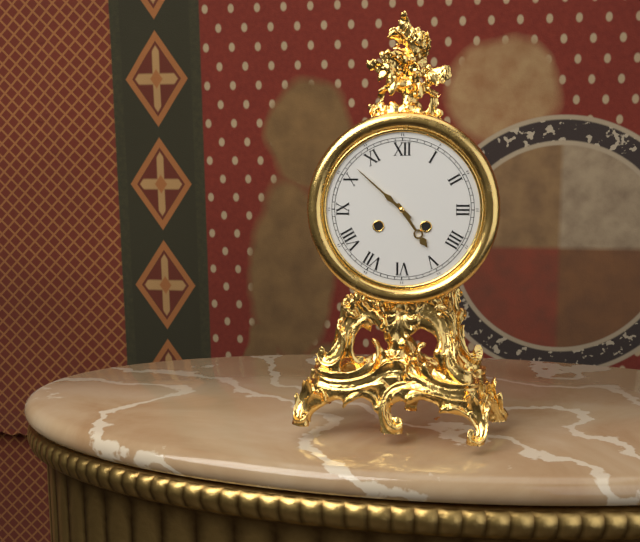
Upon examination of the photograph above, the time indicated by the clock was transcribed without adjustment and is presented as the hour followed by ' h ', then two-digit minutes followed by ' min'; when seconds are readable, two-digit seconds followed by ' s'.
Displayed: 4 h 52 min
